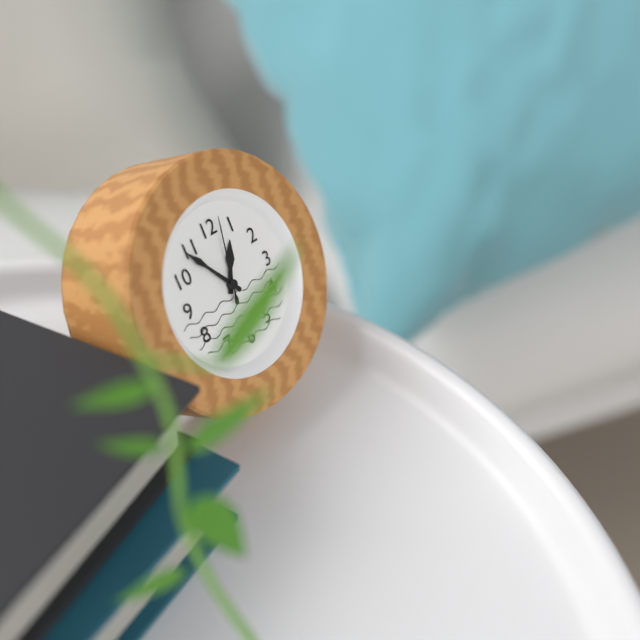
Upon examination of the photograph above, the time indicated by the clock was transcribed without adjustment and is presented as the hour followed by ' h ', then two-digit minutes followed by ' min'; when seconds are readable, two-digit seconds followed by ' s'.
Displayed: 12 h 54 min 02 s
